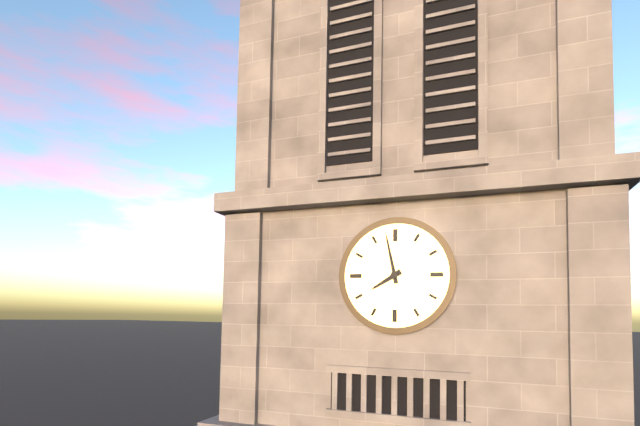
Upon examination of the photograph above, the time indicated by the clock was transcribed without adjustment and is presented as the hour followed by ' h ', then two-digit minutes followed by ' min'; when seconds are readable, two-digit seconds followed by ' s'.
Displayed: 7 h 58 min
